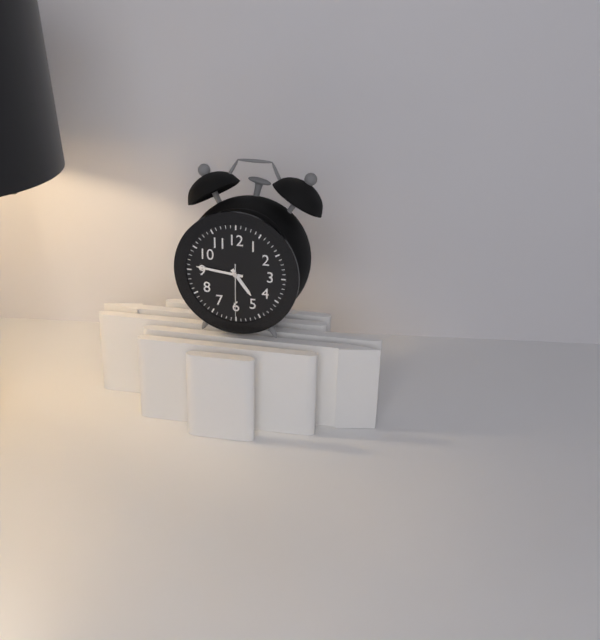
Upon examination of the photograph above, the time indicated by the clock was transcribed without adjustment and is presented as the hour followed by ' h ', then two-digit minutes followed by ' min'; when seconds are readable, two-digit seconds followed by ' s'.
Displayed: 4 h 46 min 30 s
